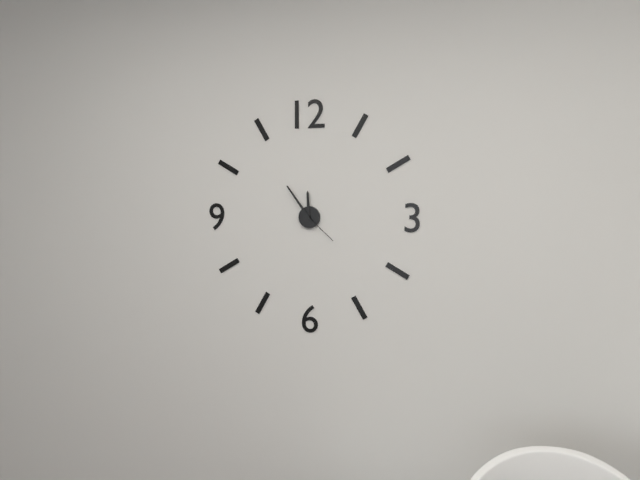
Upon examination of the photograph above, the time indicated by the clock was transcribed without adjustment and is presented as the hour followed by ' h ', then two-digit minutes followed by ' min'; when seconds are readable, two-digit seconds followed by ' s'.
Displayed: 11 h 54 min
